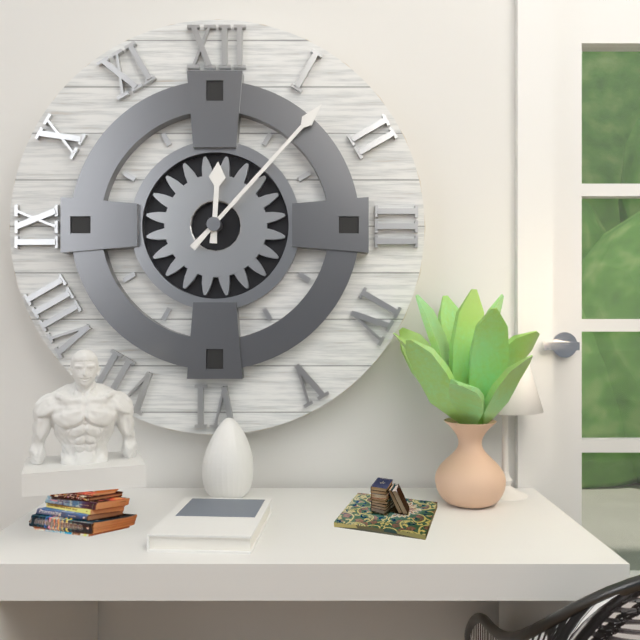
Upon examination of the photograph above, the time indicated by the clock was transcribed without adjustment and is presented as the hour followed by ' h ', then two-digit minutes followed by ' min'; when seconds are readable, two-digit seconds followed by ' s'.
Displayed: 12 h 07 min
